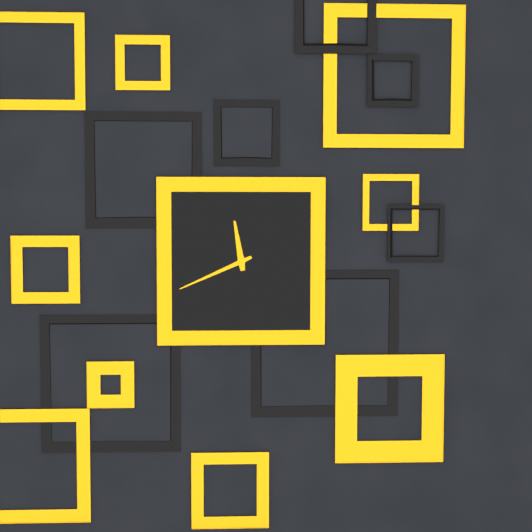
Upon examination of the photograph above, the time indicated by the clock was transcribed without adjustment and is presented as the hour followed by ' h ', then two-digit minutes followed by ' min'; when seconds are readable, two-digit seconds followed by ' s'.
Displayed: 11 h 41 min
